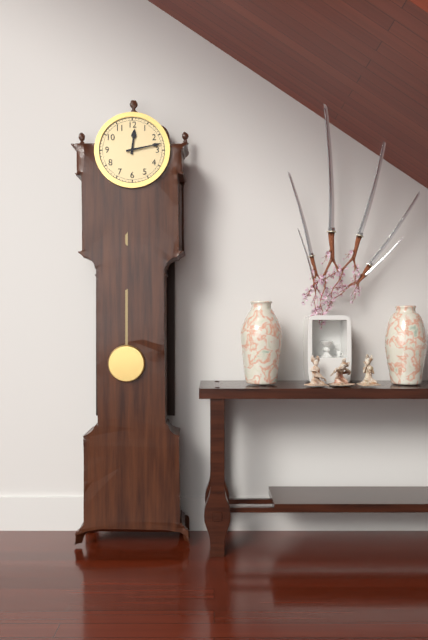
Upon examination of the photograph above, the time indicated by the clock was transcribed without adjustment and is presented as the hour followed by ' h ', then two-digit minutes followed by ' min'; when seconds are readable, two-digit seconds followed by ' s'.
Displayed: 12 h 13 min
